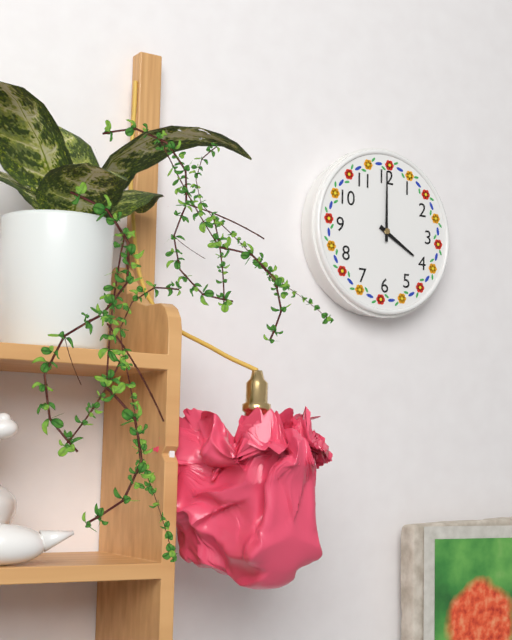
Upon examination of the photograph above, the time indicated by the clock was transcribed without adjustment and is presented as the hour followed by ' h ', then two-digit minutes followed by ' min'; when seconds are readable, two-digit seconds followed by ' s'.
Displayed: 4 h 00 min
